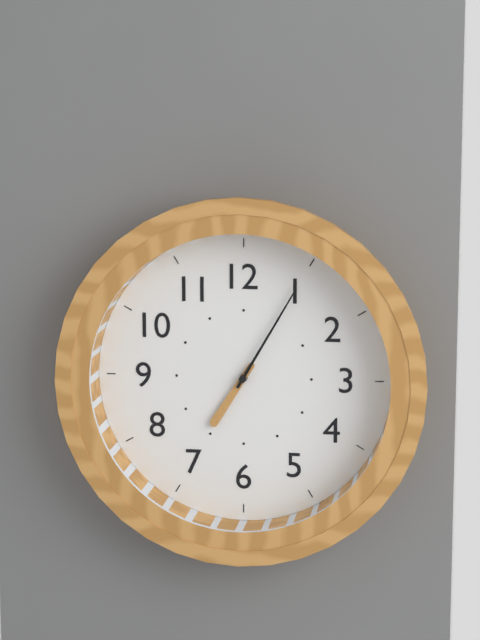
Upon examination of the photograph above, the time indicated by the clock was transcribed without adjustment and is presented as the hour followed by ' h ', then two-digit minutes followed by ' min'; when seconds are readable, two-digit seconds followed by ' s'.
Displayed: 7 h 05 min
